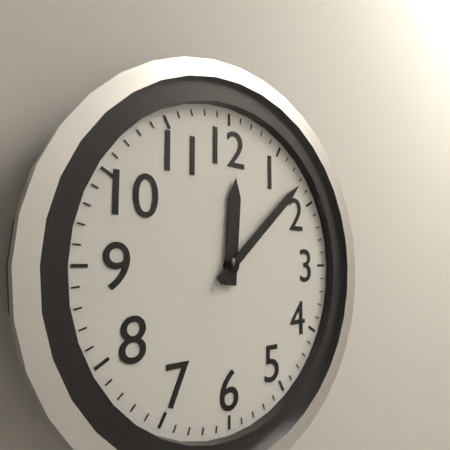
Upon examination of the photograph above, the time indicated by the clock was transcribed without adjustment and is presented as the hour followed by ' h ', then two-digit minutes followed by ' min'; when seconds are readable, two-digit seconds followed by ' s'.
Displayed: 12 h 08 min
